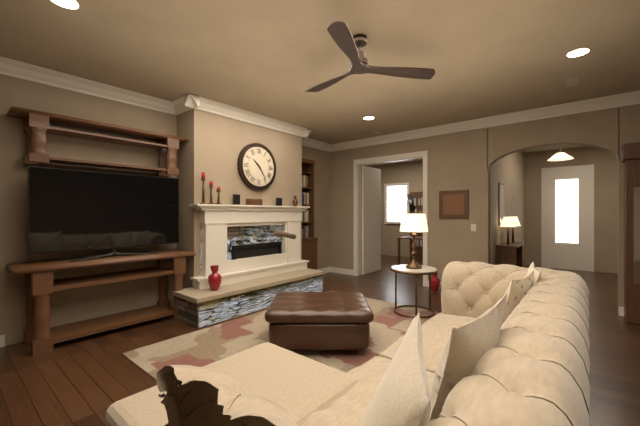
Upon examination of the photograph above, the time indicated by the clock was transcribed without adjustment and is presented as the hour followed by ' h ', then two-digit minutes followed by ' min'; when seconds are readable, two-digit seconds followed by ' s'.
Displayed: 10 h 24 min
